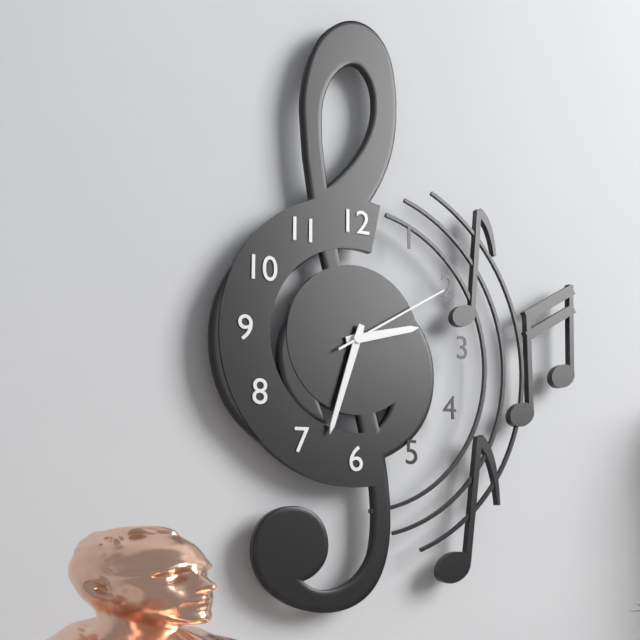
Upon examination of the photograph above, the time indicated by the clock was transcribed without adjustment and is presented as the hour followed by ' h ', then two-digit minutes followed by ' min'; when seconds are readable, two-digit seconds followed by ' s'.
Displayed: 2 h 33 min 10 s
